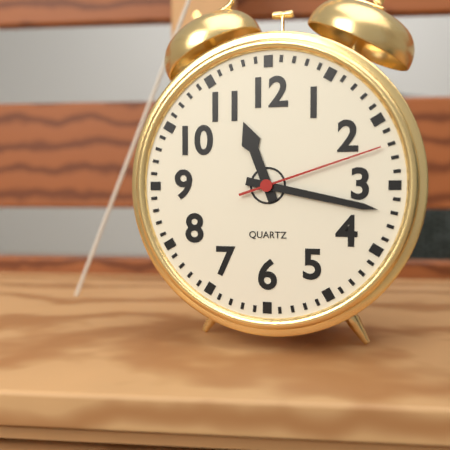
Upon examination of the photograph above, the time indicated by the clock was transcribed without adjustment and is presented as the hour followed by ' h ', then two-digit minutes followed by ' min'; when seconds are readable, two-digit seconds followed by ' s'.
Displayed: 11 h 17 min 12 s
